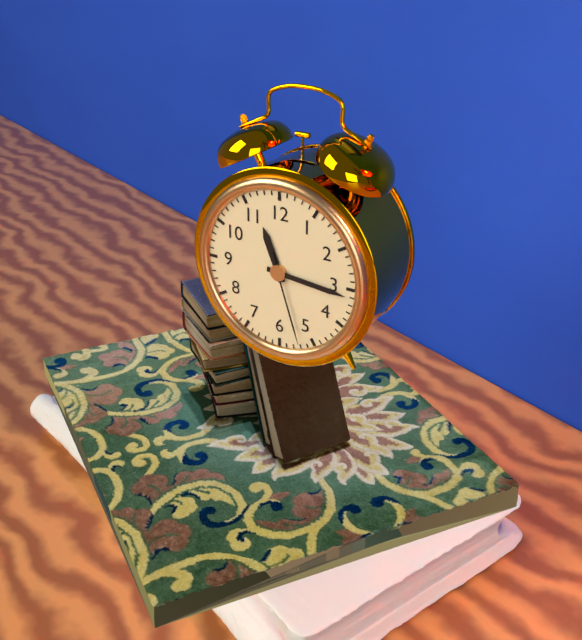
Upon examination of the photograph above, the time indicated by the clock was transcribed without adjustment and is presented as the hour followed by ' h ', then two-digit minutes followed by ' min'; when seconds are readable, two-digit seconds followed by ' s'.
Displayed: 11 h 16 min 27 s
